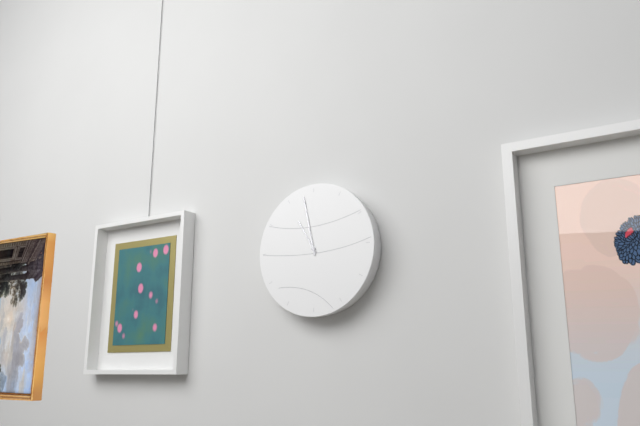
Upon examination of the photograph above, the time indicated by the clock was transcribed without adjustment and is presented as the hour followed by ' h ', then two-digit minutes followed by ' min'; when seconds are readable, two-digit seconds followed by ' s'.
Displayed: 10 h 58 min
